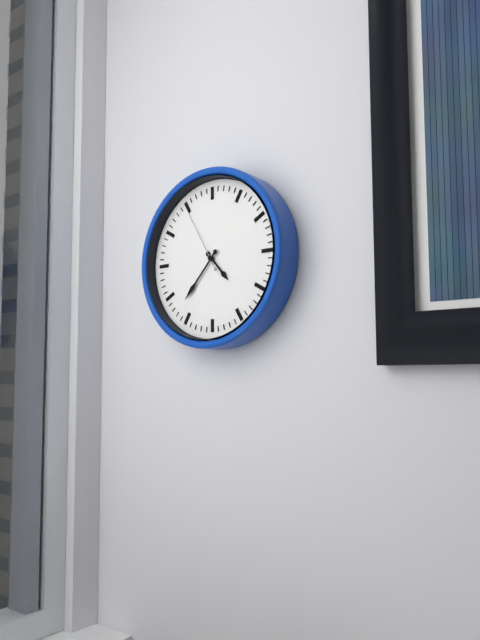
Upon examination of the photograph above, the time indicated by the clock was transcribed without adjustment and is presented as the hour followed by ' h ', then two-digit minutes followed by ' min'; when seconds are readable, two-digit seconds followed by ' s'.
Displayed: 4 h 37 min 55 s
